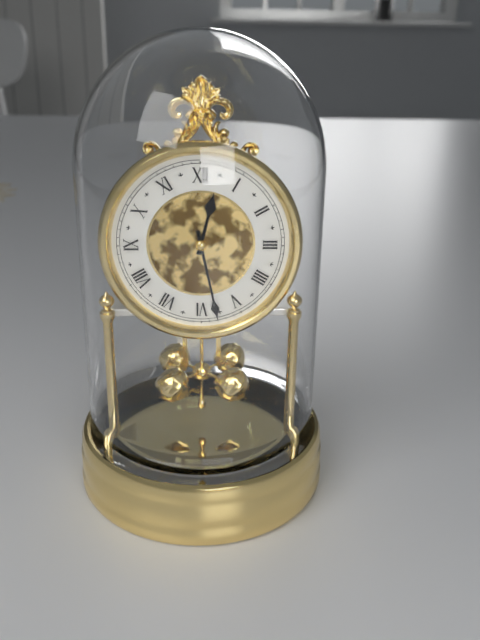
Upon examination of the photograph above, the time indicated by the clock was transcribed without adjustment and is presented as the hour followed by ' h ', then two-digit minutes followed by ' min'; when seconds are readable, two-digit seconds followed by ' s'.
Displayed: 12 h 28 min
